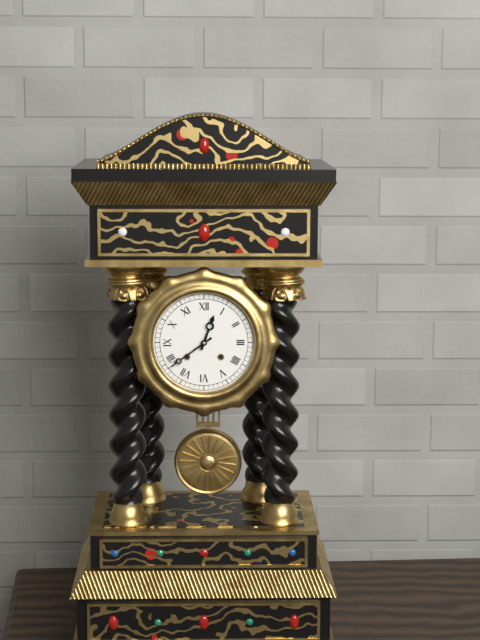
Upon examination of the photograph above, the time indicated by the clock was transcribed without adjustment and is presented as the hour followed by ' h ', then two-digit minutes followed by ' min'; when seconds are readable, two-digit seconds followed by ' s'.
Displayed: 12 h 39 min
